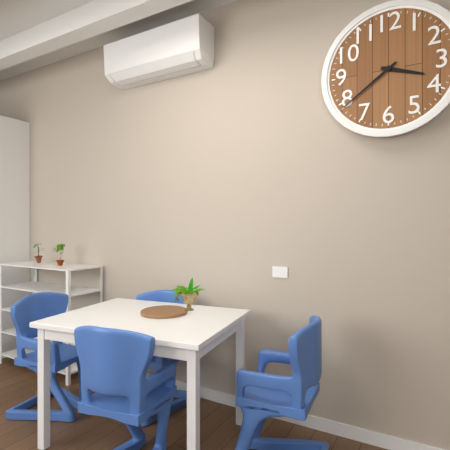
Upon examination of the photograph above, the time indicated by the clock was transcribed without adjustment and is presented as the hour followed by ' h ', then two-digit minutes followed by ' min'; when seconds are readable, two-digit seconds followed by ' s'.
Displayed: 3 h 39 min
